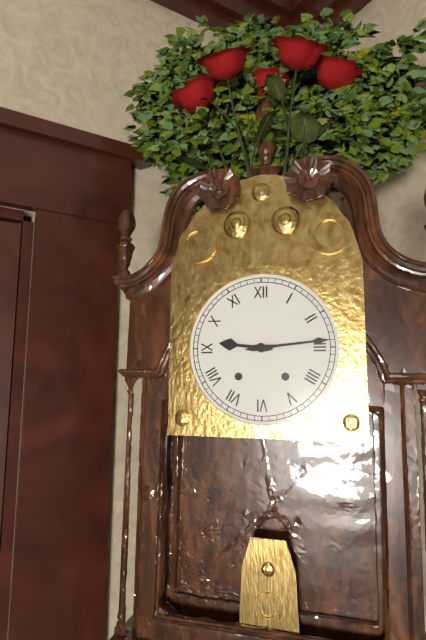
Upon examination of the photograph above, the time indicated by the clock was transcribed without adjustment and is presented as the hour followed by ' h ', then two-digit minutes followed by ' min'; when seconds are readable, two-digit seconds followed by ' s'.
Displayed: 9 h 14 min
